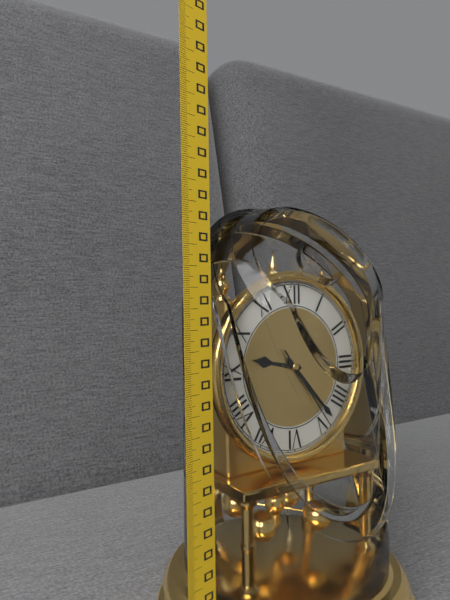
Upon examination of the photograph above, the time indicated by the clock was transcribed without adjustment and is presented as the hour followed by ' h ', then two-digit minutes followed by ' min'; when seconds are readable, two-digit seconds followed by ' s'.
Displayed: 9 h 23 min 24 s
